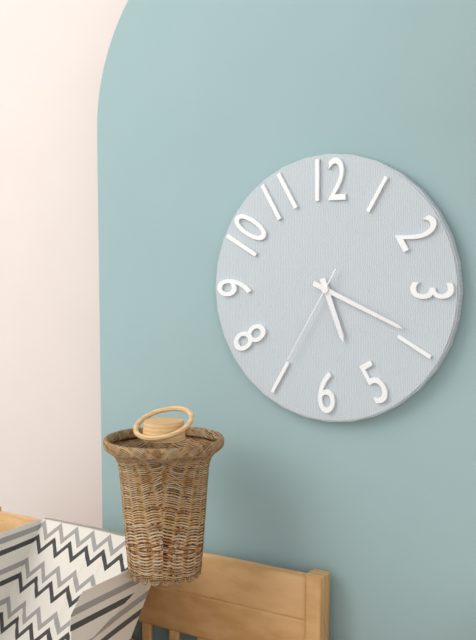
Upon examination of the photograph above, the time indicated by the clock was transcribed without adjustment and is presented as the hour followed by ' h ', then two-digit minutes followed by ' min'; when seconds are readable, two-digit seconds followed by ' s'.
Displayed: 5 h 19 min 35 s
